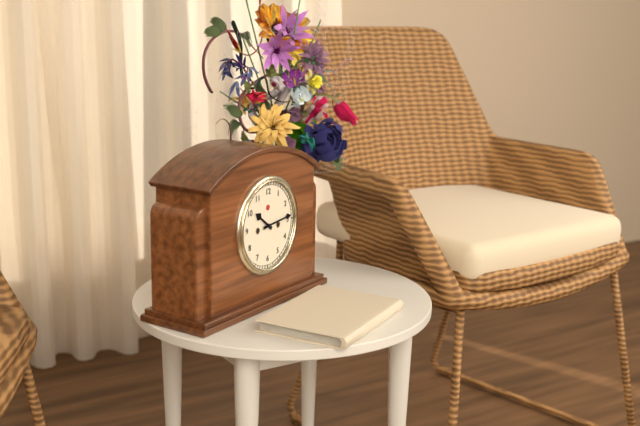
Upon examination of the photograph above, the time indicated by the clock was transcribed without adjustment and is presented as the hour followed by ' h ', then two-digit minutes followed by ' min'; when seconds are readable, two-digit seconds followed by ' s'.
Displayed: 10 h 14 min
